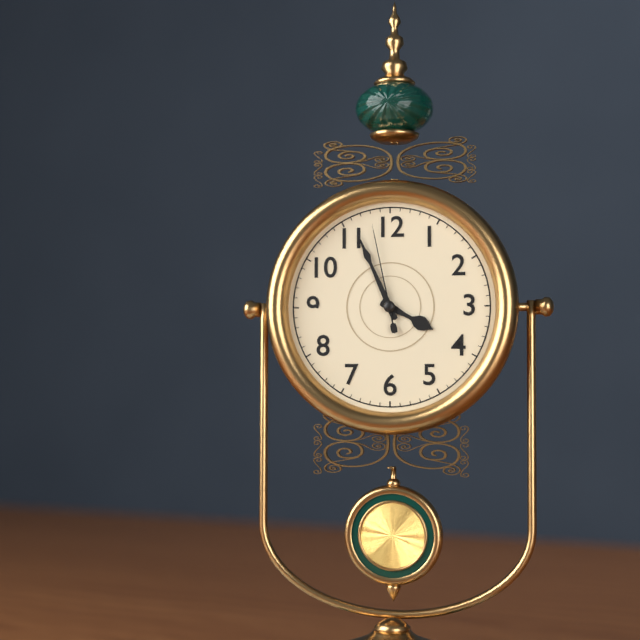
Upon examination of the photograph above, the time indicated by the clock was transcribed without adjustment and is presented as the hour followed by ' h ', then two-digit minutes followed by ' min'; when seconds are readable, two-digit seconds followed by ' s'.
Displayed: 3 h 56 min 58 s
